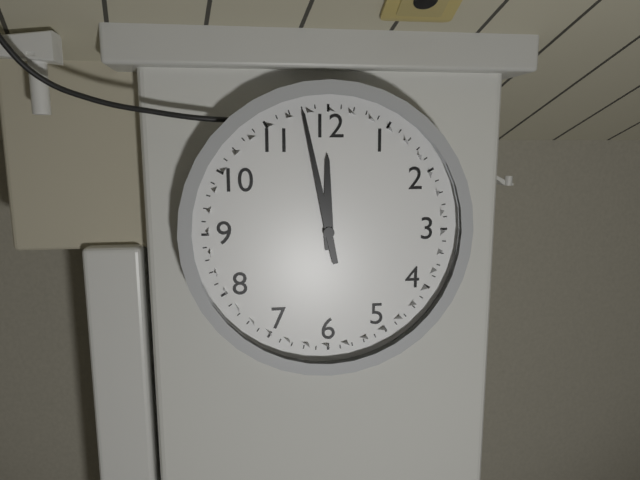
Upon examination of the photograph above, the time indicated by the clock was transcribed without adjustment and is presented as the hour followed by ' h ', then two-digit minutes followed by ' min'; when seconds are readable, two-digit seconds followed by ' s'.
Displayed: 11 h 58 min
